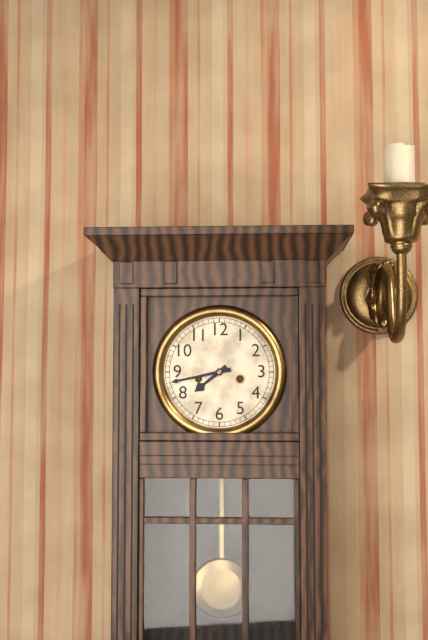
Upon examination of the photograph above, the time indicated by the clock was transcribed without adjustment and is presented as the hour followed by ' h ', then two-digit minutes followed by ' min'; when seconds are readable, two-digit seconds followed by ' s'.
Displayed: 7 h 43 min
